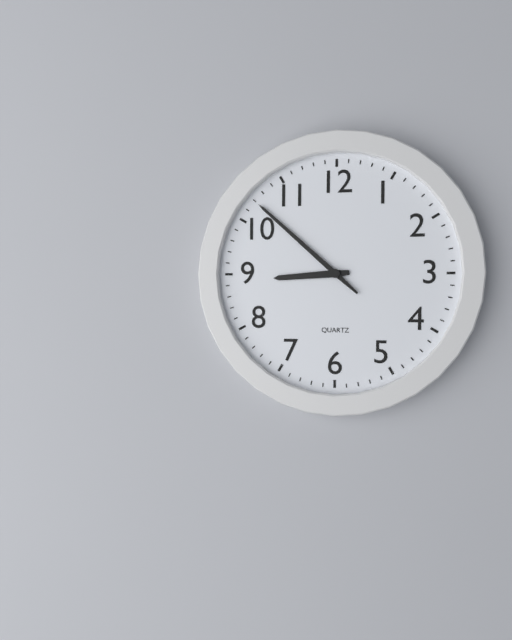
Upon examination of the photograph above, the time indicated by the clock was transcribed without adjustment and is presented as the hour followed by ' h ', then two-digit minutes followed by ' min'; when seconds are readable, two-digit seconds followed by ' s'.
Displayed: 8 h 52 min
